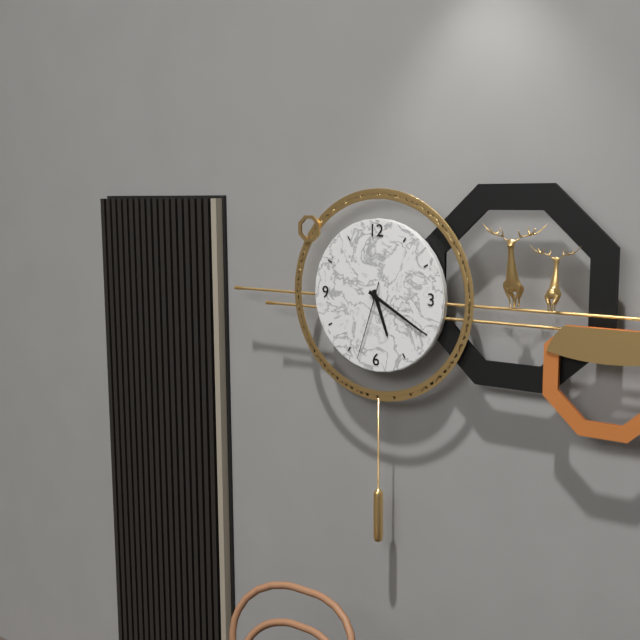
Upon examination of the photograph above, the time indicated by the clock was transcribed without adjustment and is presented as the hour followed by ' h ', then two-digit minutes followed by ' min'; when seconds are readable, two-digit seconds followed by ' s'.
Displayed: 5 h 20 min 33 s
